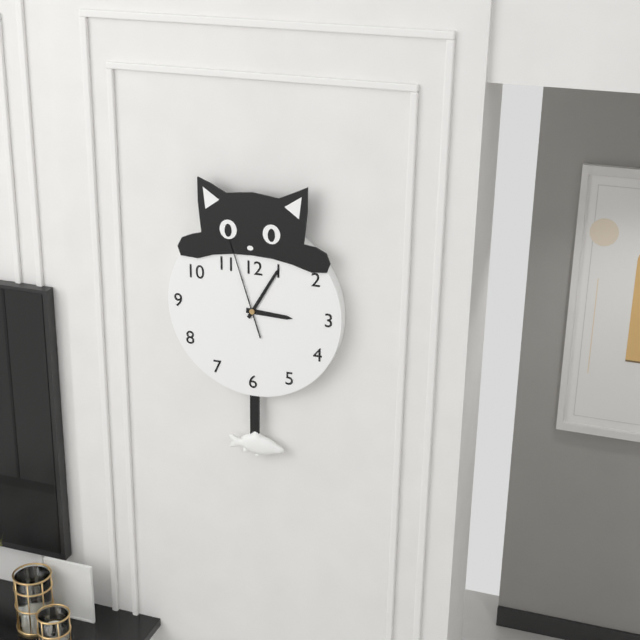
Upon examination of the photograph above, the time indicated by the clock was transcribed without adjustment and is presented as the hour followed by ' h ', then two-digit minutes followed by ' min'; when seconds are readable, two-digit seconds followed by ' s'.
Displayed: 3 h 05 min 57 s
